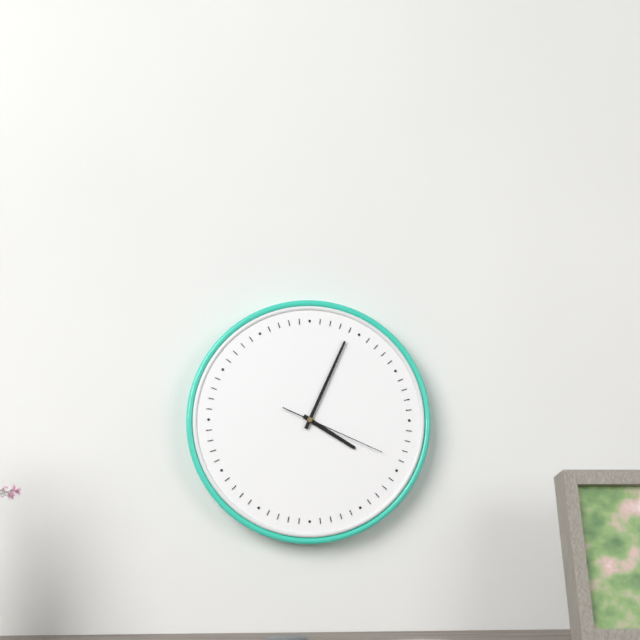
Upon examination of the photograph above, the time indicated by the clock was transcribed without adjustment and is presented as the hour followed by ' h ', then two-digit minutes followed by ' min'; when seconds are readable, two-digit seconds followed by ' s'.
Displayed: 4 h 04 min 19 s
